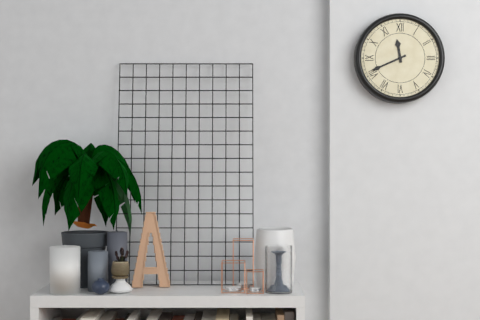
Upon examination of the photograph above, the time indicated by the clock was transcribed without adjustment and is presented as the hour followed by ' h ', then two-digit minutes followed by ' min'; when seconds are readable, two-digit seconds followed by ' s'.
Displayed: 11 h 41 min
